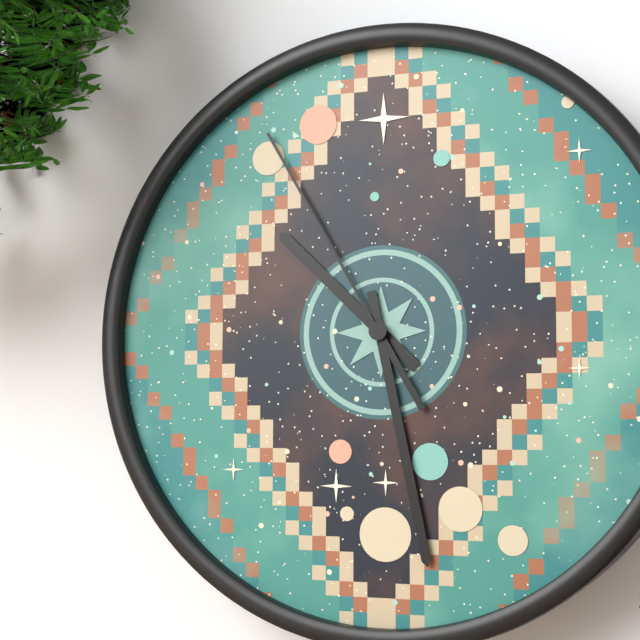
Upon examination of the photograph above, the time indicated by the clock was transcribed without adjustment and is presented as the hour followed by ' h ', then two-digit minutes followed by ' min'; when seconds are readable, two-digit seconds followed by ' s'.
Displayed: 10 h 28 min 55 s
